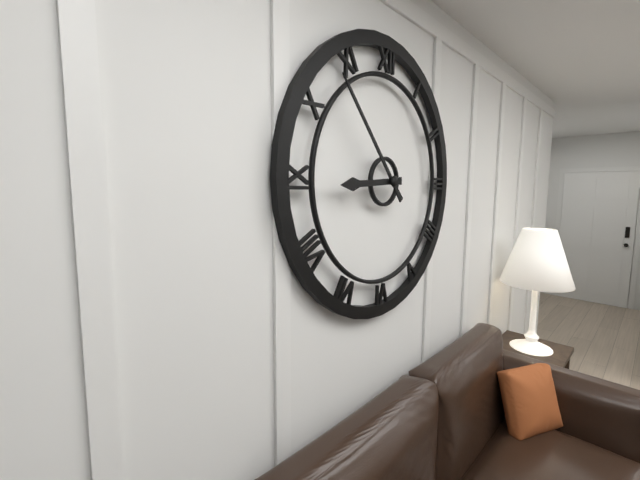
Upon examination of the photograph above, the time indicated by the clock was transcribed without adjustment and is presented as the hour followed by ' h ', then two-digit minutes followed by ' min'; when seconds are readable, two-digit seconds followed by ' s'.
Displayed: 8 h 53 min
